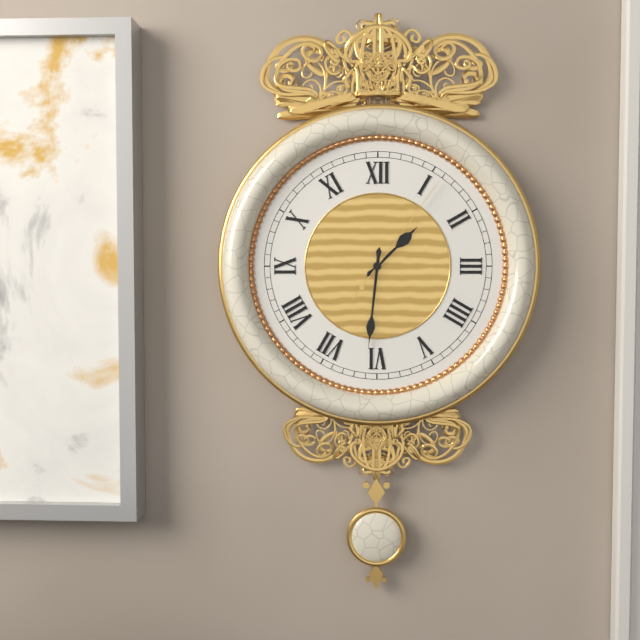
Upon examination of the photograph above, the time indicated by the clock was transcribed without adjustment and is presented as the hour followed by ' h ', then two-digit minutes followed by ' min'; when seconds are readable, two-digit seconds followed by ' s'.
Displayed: 1 h 31 min 06 s
